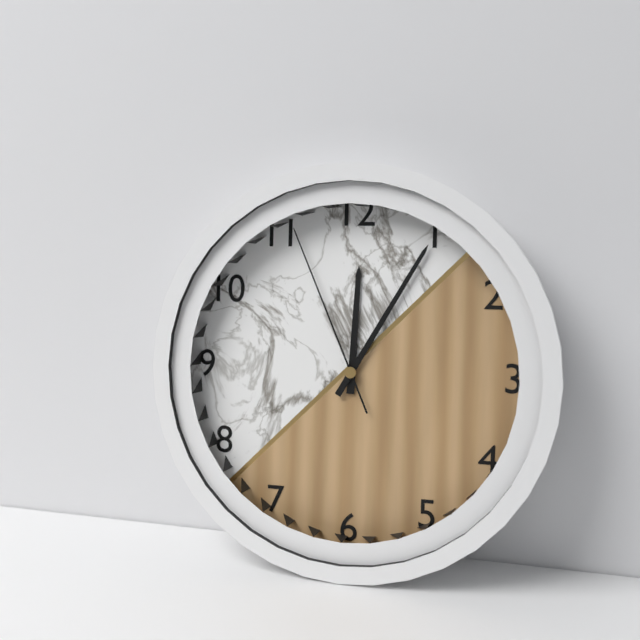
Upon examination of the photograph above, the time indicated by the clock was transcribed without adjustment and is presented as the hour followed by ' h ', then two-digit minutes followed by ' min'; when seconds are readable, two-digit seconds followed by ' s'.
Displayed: 12 h 05 min 56 s
